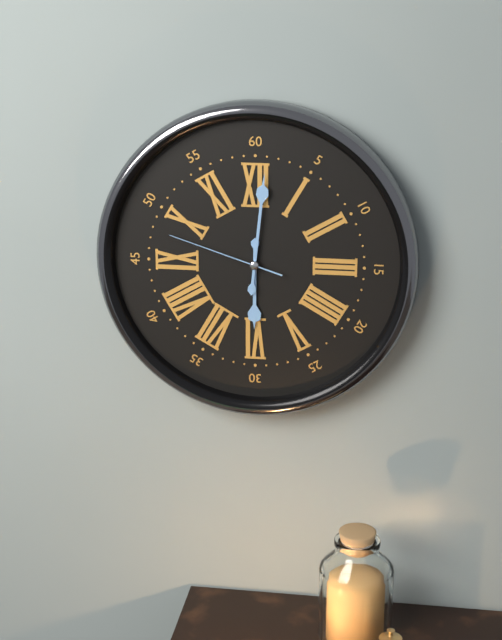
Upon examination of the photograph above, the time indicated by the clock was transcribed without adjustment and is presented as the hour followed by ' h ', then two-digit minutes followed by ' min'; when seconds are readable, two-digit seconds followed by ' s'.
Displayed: 6 h 01 min 48 s
